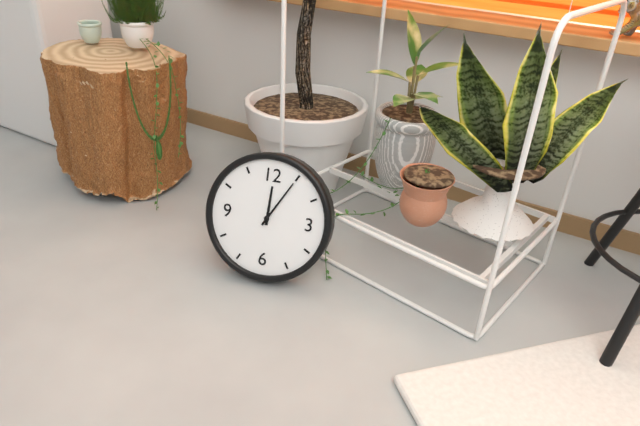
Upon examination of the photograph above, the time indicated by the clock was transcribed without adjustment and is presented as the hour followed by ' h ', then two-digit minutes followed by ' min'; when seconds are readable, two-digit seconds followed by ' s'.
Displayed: 12 h 05 min
